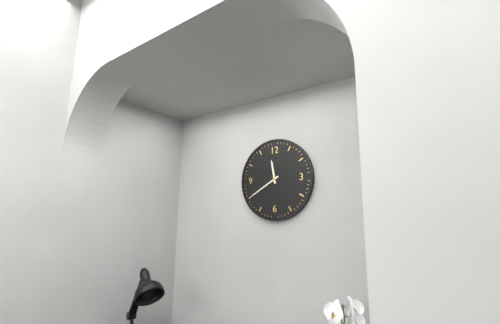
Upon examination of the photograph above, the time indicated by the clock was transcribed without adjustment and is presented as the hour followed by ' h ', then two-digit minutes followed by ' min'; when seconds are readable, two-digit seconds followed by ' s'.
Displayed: 11 h 40 min
